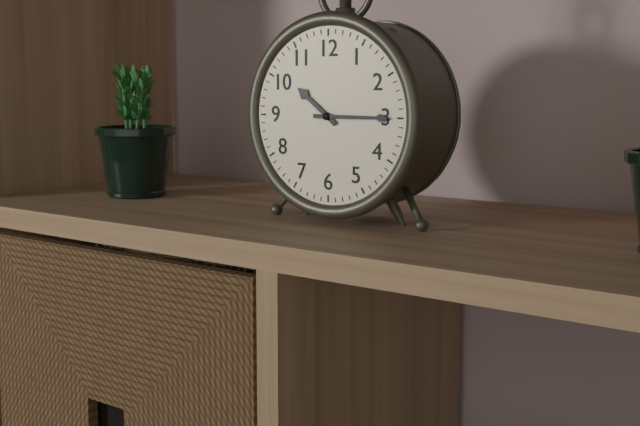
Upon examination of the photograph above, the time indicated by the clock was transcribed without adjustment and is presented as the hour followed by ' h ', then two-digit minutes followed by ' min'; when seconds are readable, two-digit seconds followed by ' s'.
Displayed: 10 h 15 min
